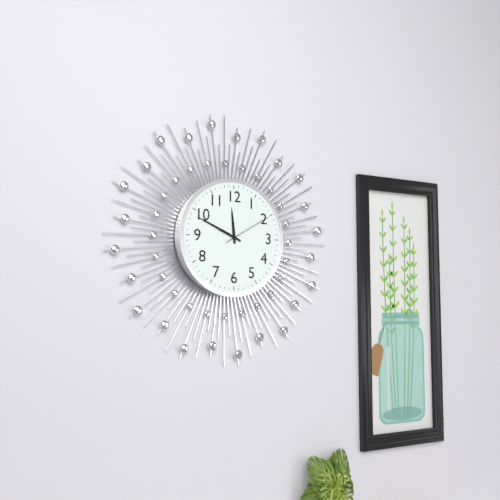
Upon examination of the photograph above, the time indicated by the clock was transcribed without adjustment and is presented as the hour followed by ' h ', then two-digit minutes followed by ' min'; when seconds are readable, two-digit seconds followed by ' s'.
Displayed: 11 h 49 min
